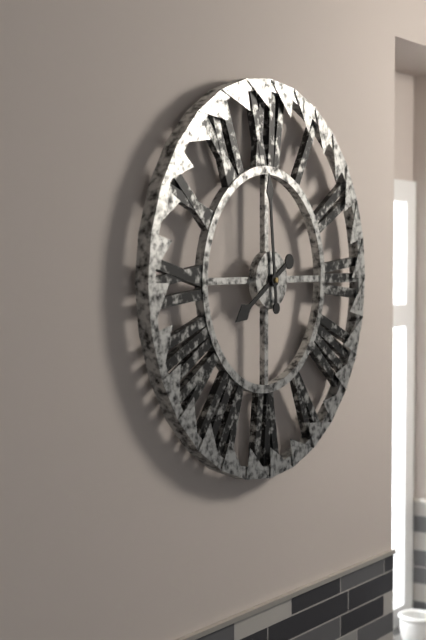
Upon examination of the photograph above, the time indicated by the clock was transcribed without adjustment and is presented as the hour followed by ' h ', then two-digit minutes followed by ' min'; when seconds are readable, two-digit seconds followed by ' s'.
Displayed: 7 h 59 min
